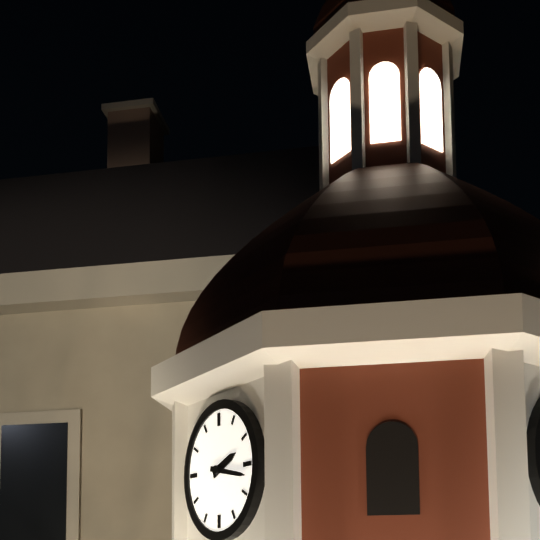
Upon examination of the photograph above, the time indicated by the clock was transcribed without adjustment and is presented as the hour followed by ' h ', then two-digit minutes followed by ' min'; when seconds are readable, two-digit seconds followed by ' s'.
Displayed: 2 h 17 min
